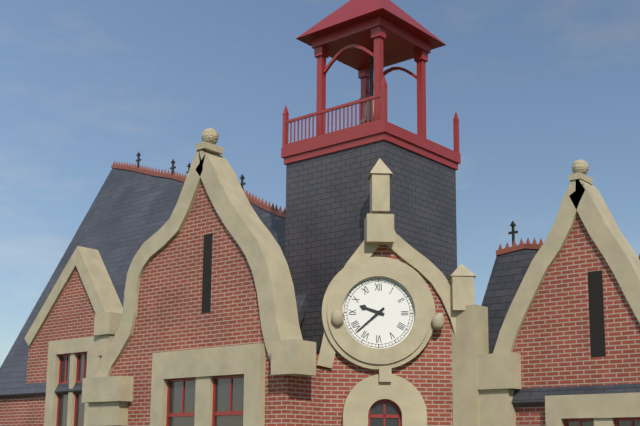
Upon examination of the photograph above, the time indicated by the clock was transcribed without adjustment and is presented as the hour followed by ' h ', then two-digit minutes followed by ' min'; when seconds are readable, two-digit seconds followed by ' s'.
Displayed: 9 h 38 min
